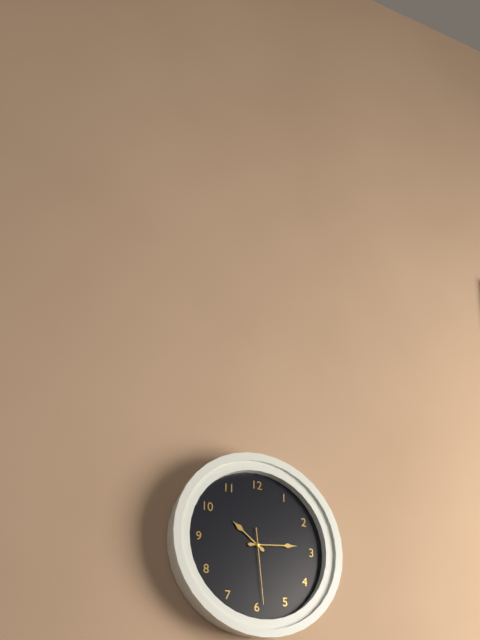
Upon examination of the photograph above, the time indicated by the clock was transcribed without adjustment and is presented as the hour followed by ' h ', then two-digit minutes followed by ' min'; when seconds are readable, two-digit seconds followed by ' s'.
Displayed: 10 h 14 min 29 s
